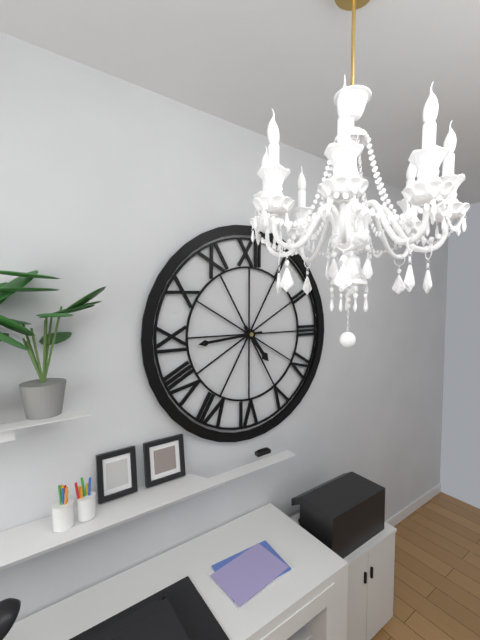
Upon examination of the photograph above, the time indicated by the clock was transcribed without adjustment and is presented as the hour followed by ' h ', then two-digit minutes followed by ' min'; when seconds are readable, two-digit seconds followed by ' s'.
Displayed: 4 h 44 min
